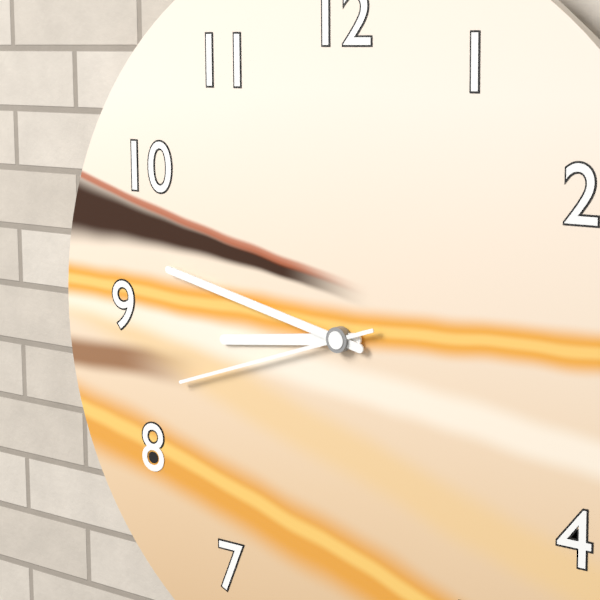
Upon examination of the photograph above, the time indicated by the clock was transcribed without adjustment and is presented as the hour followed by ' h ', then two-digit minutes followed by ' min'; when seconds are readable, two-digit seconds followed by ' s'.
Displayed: 8 h 47 min 42 s
